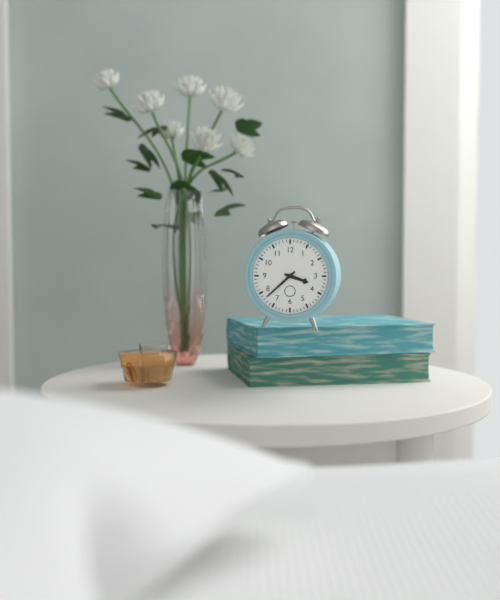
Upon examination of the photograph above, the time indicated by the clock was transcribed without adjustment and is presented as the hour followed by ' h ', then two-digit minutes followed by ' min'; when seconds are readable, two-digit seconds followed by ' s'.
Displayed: 3 h 38 min
